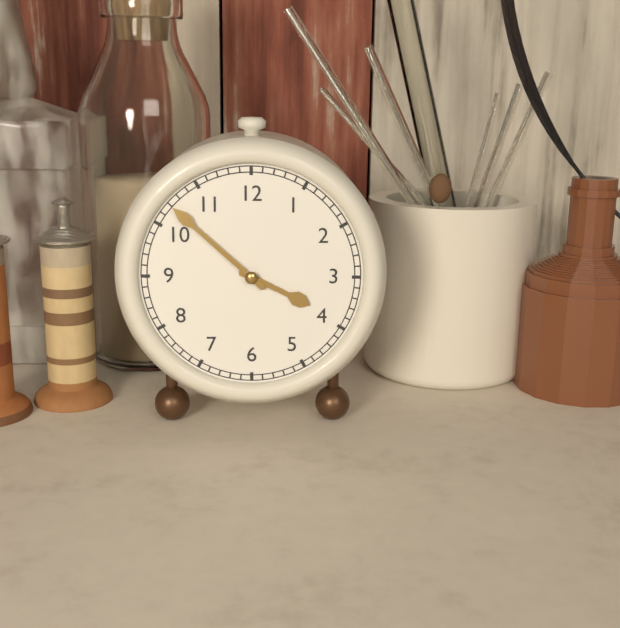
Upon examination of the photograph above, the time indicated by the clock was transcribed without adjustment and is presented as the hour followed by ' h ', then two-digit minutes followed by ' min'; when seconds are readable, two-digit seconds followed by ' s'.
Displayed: 3 h 52 min
